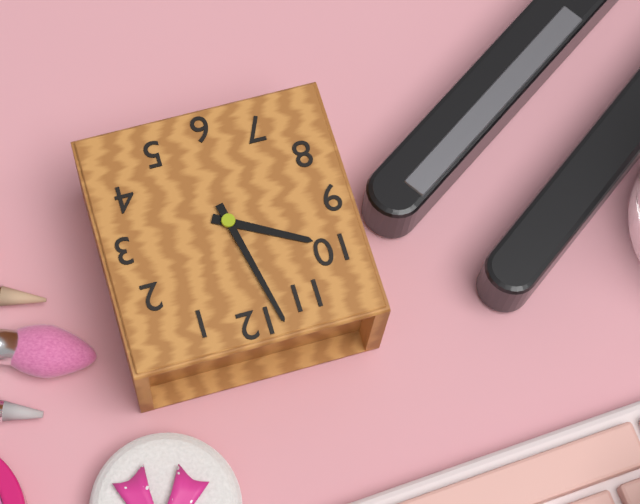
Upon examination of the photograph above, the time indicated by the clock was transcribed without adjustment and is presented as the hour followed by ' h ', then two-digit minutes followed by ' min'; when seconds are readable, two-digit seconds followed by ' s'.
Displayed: 9 h 58 min
